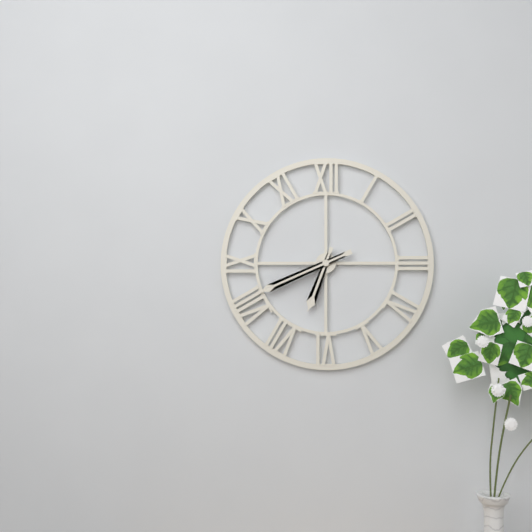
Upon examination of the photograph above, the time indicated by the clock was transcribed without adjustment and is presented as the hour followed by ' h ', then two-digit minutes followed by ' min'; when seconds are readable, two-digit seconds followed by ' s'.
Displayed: 6 h 41 min
